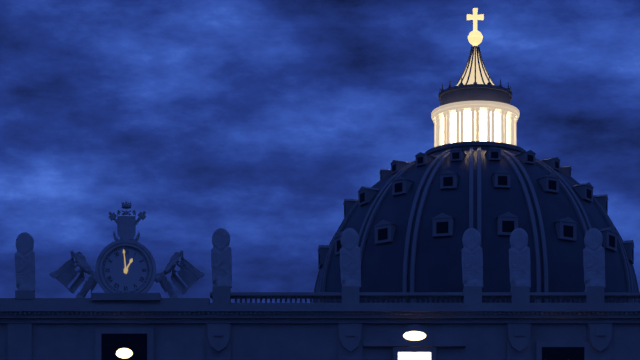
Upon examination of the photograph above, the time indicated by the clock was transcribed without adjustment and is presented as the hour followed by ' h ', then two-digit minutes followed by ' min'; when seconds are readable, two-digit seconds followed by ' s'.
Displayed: 12 h 59 min
